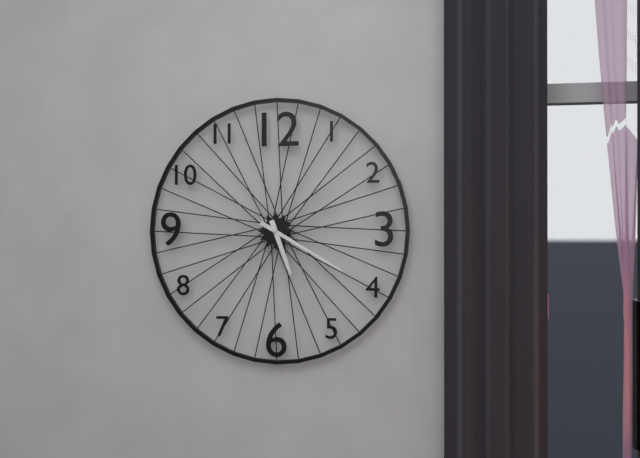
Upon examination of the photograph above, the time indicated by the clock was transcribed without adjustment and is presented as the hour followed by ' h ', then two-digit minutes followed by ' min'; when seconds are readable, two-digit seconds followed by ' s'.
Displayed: 5 h 20 min
